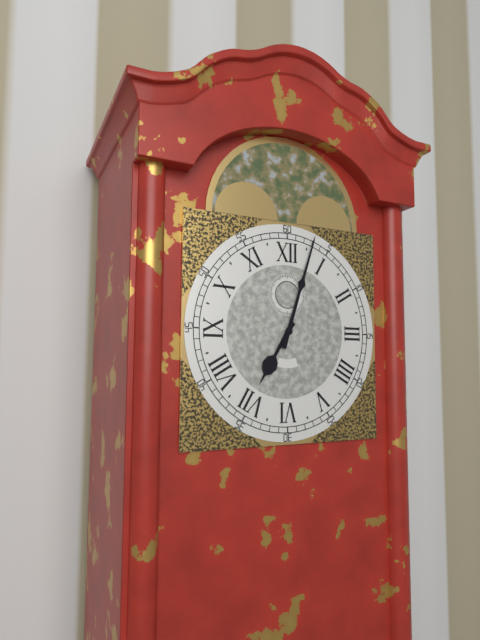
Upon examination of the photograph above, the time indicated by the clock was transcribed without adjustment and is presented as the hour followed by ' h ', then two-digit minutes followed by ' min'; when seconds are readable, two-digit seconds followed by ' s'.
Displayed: 7 h 03 min
